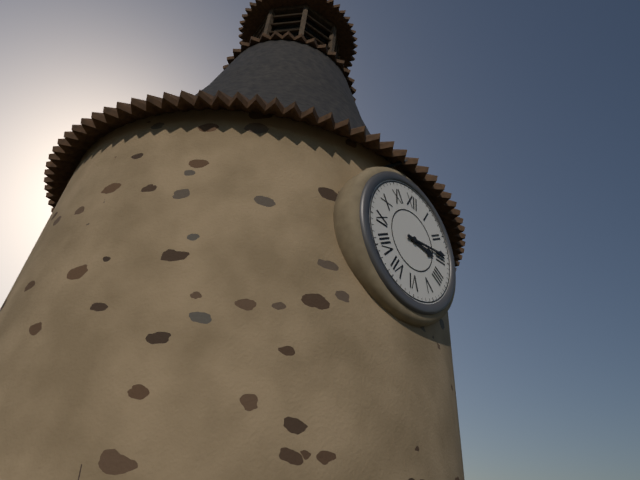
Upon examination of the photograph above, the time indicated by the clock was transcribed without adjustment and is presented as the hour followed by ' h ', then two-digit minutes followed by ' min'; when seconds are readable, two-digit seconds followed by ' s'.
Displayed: 3 h 14 min
